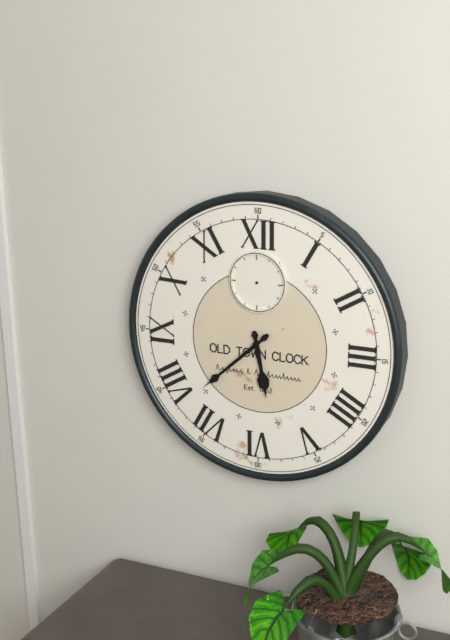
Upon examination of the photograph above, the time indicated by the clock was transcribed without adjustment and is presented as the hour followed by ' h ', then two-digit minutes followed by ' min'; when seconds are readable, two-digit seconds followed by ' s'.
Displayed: 5 h 38 min
